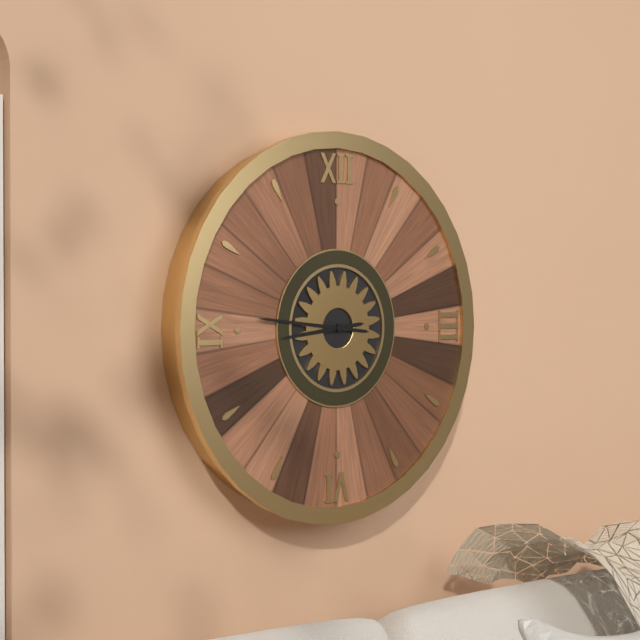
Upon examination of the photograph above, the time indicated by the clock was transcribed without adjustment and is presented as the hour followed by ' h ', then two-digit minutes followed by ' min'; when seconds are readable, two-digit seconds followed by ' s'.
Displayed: 8 h 46 min
